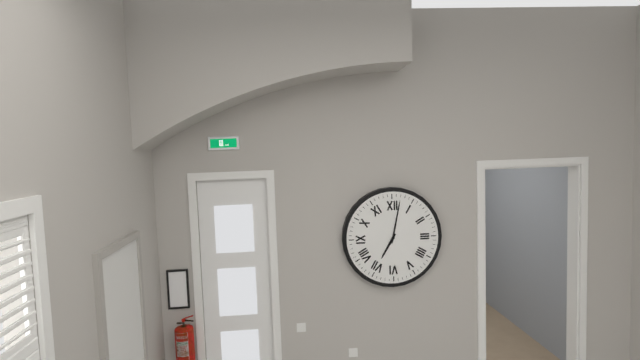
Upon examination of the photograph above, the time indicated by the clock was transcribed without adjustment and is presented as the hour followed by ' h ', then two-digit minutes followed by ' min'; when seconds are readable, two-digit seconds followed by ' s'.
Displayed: 7 h 02 min
